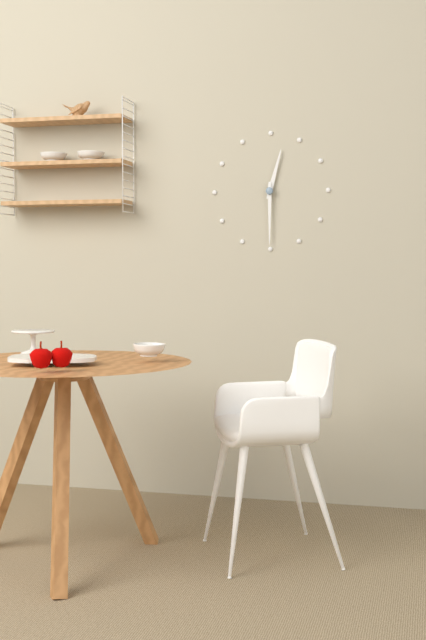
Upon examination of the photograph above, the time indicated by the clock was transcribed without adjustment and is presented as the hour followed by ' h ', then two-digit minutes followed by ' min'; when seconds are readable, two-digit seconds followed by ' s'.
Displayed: 12 h 30 min
